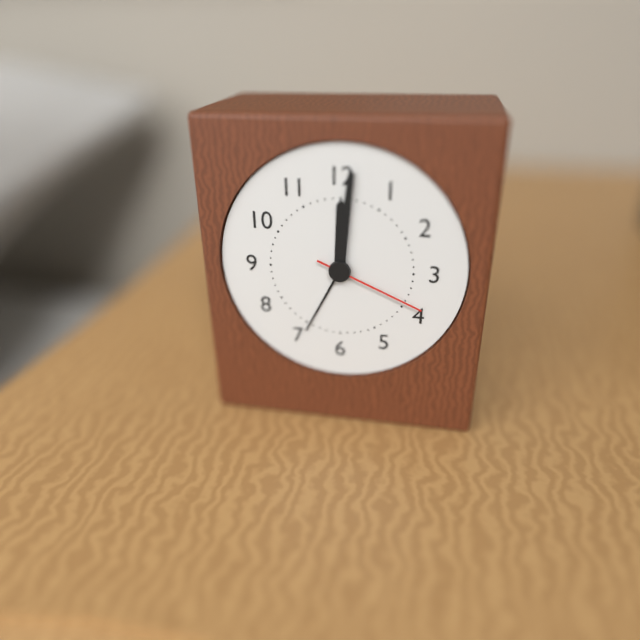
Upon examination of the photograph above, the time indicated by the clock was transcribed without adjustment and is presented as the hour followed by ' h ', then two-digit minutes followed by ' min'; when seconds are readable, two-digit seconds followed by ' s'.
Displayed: 12 h 01 min 19 s
